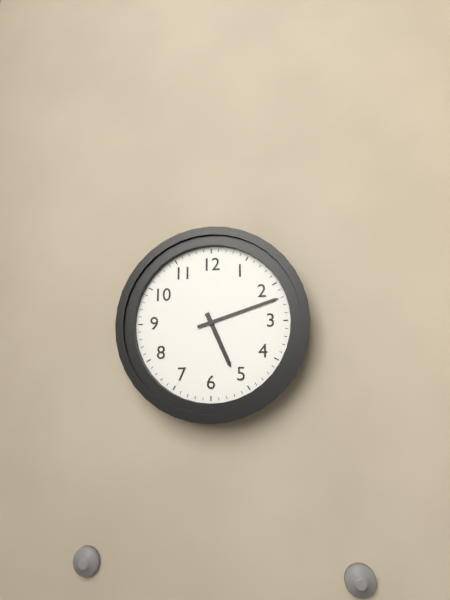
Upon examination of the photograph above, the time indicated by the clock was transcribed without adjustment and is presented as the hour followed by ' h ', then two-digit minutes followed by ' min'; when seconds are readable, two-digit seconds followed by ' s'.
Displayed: 5 h 12 min
